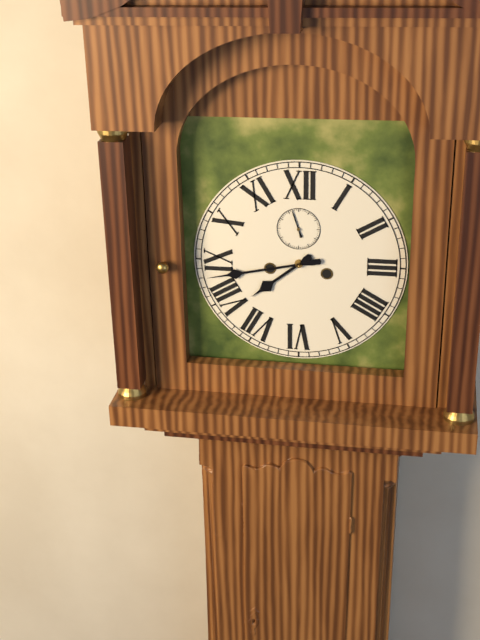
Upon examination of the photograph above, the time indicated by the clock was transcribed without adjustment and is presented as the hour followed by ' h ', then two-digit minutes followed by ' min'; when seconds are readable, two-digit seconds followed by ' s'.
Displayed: 7 h 43 min
